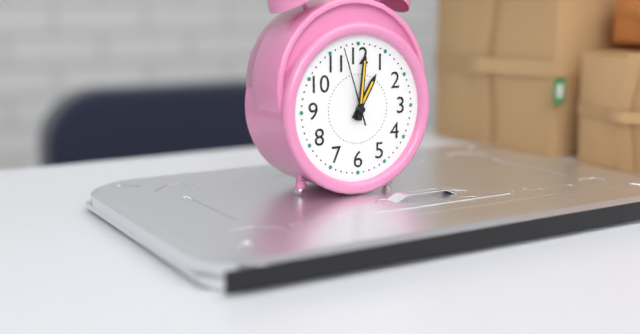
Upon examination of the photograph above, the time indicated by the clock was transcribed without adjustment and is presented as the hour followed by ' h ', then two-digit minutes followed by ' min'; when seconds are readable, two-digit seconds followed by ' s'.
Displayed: 1 h 01 min 57 s
